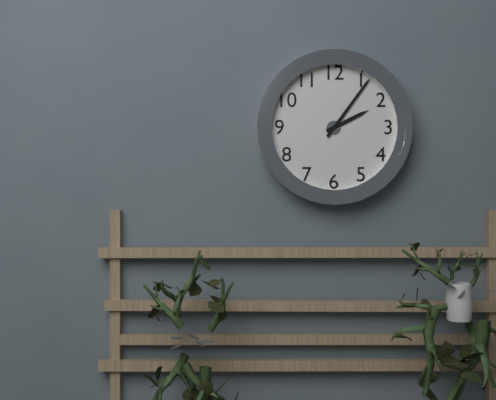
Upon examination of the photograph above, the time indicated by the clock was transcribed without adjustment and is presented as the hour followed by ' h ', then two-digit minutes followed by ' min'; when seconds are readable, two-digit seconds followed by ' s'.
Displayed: 2 h 06 min
